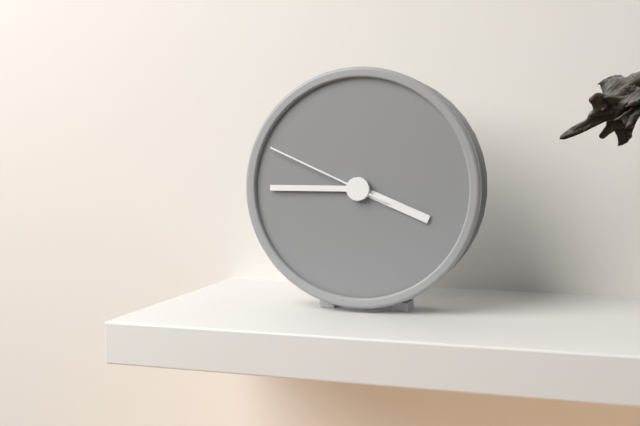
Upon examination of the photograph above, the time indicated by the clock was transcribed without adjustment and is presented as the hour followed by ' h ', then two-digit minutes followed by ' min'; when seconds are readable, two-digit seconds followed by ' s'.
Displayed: 3 h 45 min 49 s
